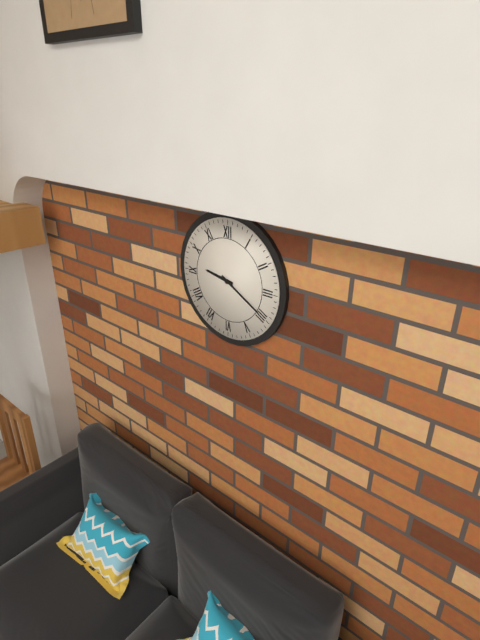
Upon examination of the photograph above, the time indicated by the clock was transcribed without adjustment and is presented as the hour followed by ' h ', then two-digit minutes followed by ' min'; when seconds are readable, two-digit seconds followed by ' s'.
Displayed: 9 h 20 min
